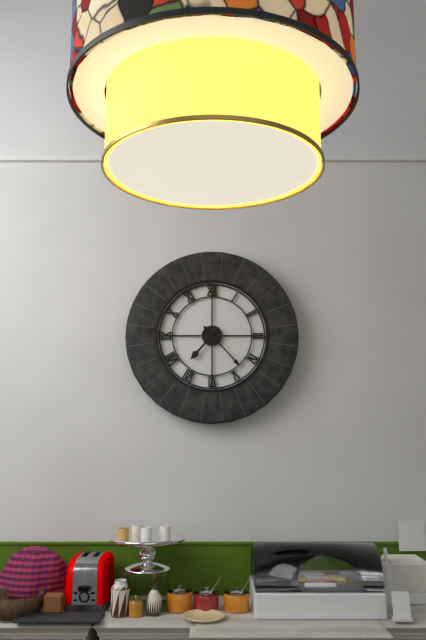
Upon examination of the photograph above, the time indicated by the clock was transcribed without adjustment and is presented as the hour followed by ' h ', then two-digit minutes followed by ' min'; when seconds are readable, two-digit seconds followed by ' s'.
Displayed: 7 h 23 min
